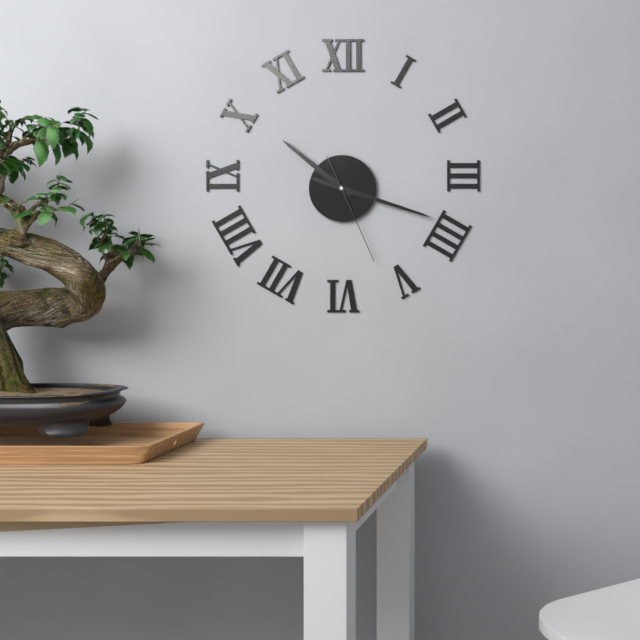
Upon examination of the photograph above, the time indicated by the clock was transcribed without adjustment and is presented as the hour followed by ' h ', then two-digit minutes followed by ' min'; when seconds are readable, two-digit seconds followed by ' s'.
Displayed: 10 h 18 min 26 s
